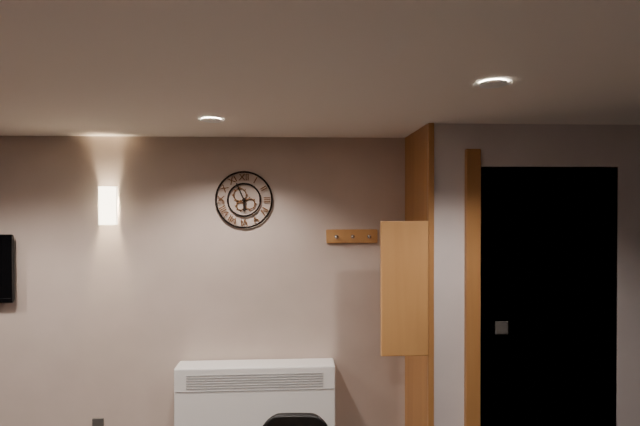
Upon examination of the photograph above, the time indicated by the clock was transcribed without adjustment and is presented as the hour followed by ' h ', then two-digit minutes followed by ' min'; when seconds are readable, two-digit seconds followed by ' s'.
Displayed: 5 h 56 min
